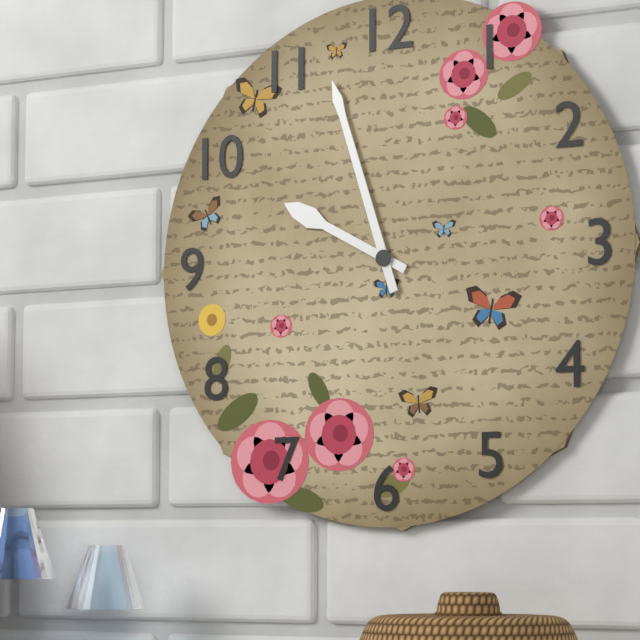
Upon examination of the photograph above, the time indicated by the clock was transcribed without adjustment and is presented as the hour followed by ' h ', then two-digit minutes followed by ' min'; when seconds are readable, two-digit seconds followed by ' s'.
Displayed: 9 h 57 min
